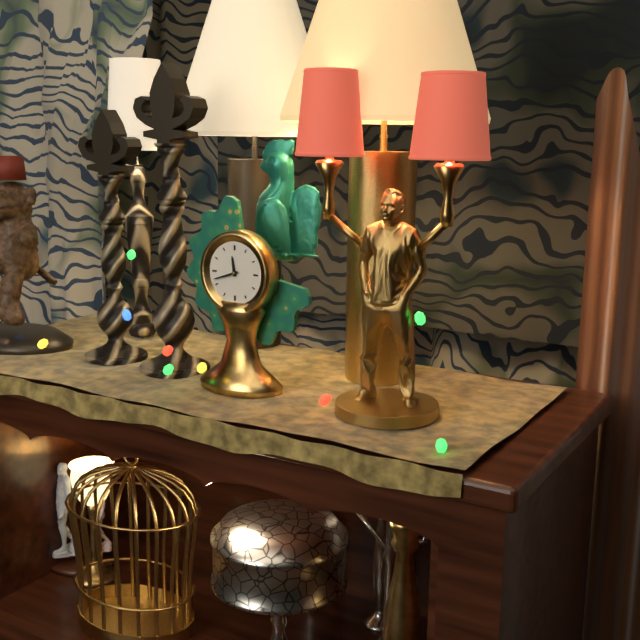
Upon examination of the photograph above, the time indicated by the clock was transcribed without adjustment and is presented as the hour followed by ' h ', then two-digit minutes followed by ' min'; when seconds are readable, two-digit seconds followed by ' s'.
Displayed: 11 h 42 min
